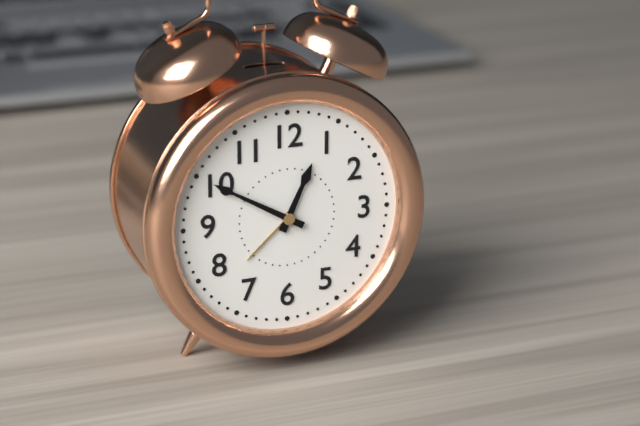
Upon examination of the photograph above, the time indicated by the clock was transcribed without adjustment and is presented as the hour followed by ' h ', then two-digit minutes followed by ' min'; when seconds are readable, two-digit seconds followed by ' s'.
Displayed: 12 h 50 min
